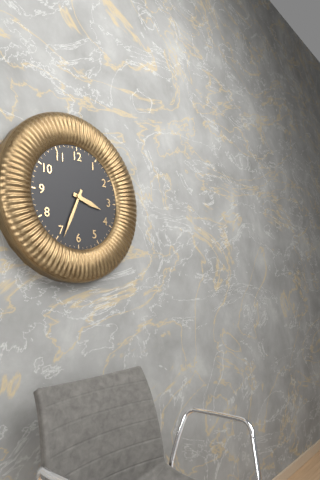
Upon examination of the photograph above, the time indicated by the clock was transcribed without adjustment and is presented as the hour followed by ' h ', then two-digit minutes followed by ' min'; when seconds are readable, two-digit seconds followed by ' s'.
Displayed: 3 h 34 min
